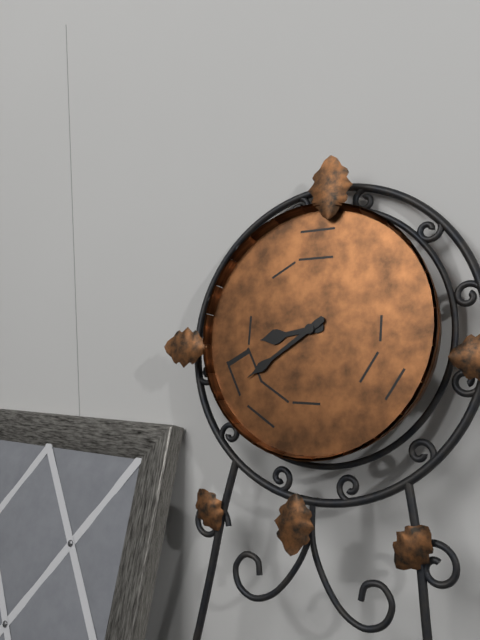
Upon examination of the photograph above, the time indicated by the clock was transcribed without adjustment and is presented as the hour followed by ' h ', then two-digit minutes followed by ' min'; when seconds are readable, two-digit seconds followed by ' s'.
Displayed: 8 h 39 min
